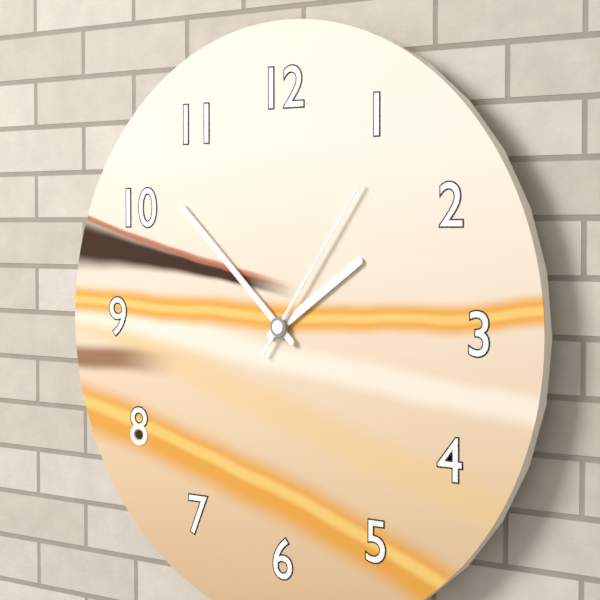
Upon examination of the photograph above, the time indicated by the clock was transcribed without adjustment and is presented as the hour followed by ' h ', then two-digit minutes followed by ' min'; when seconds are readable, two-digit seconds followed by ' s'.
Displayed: 1 h 52 min 06 s
